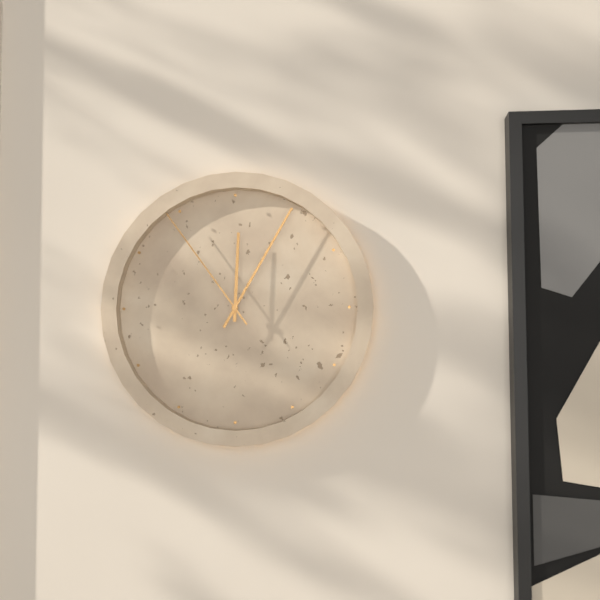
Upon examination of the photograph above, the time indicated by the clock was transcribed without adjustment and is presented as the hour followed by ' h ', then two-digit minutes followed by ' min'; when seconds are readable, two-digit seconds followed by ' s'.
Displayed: 12 h 05 min 54 s
